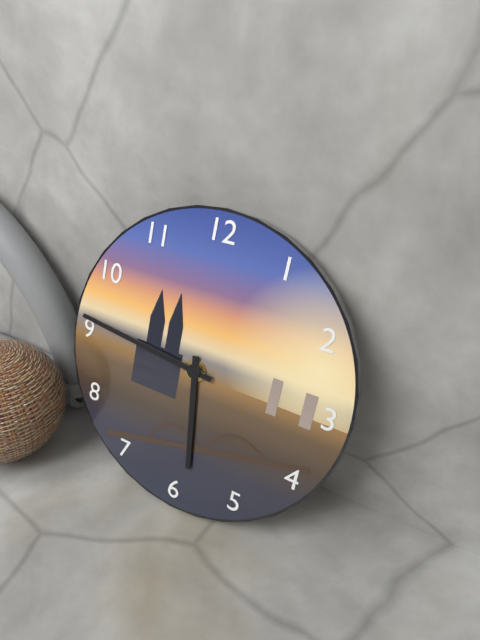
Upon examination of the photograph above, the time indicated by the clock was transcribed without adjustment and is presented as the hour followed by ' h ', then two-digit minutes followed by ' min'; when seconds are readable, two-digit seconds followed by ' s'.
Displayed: 5 h 46 min
